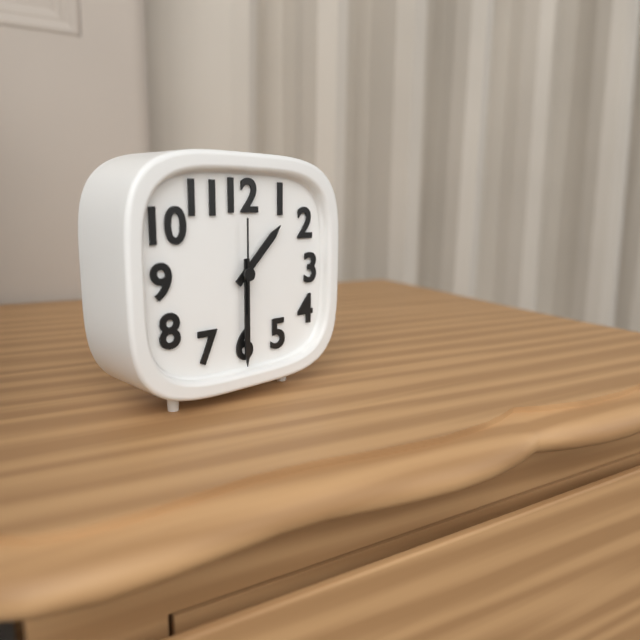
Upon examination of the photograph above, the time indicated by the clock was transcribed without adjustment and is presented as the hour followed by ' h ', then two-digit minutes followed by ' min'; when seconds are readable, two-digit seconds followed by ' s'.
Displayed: 1 h 30 min 00 s
